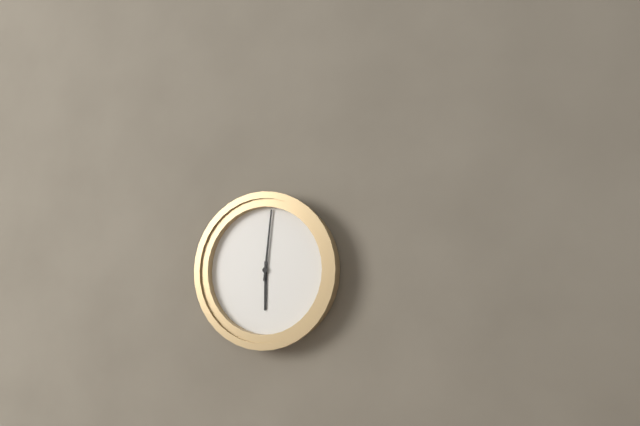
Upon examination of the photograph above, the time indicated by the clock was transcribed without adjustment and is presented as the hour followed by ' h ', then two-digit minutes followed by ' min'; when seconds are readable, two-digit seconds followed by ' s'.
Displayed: 6 h 01 min
